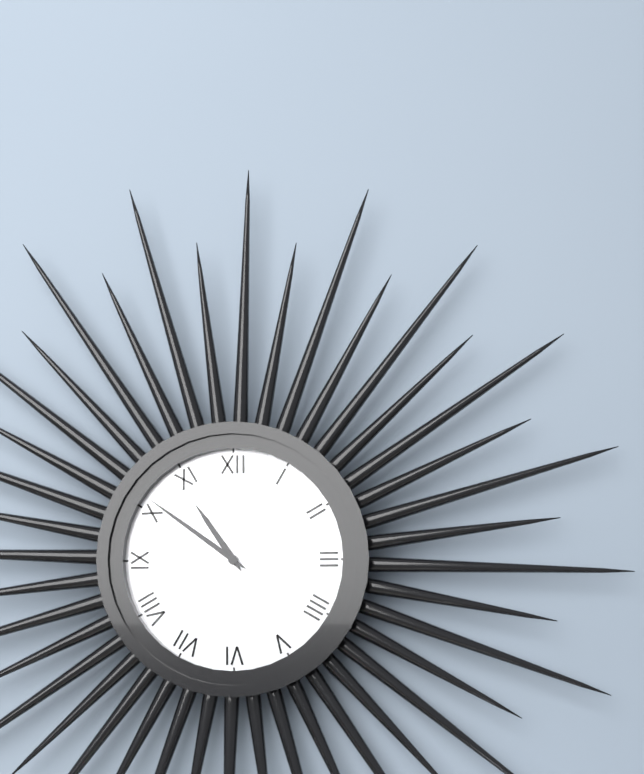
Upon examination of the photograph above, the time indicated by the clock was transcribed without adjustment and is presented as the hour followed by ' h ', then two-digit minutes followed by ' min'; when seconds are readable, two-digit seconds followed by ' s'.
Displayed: 10 h 51 min
